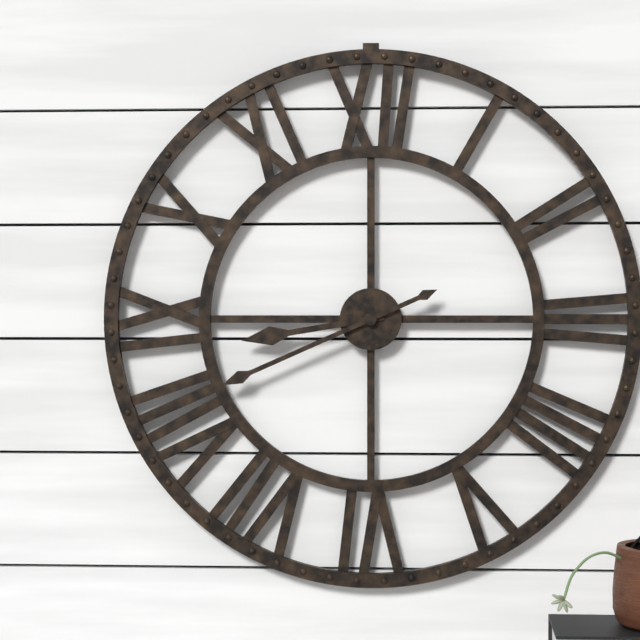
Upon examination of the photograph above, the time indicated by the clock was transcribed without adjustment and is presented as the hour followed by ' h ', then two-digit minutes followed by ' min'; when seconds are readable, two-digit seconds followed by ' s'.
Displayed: 8 h 41 min
